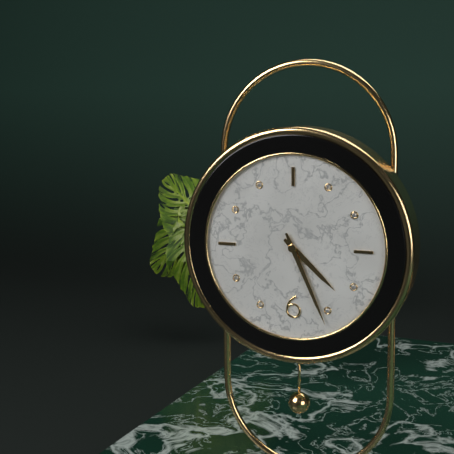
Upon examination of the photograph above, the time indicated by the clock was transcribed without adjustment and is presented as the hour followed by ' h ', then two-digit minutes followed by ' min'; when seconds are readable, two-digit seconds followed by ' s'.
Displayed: 4 h 26 min
